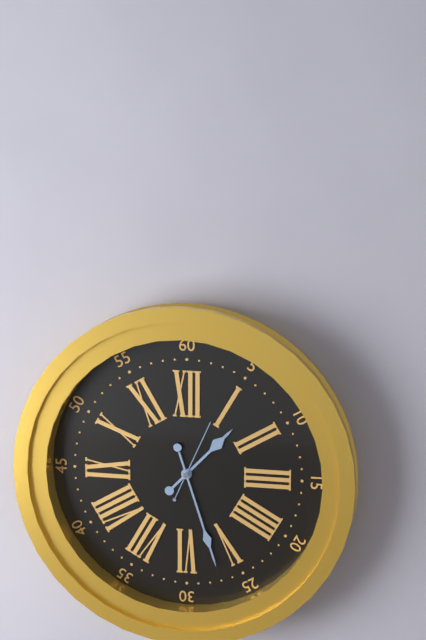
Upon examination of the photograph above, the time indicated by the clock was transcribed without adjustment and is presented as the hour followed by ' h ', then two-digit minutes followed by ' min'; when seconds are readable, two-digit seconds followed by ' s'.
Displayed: 1 h 27 min 04 s
